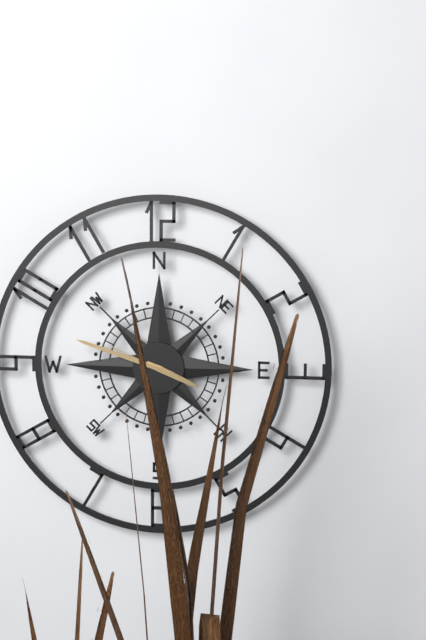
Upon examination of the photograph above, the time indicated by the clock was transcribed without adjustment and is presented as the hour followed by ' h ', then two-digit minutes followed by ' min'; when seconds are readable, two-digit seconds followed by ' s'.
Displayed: 3 h 48 min 49 s
